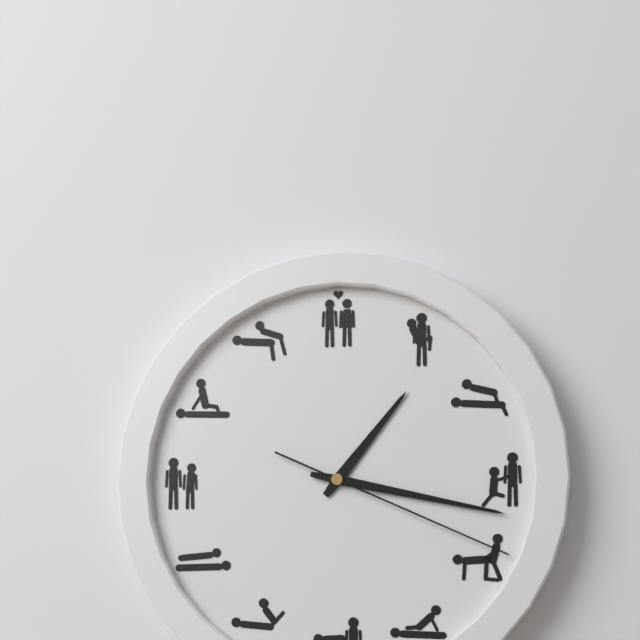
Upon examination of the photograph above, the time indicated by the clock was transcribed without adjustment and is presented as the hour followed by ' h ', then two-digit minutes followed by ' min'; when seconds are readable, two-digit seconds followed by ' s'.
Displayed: 1 h 17 min 19 s
